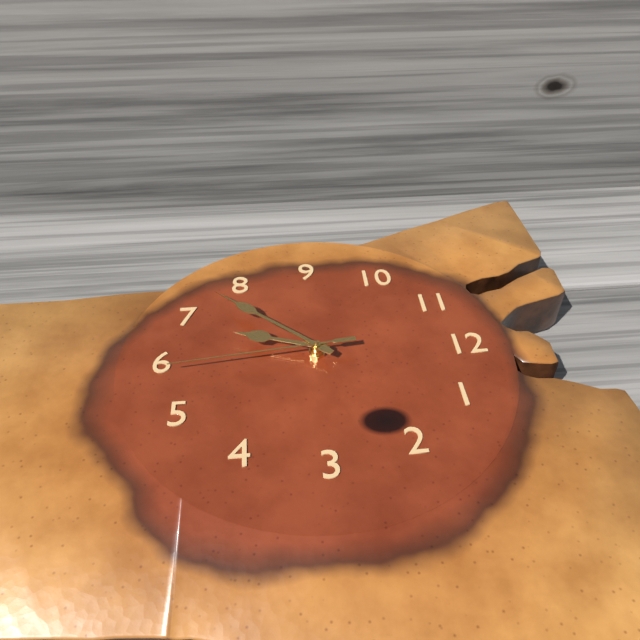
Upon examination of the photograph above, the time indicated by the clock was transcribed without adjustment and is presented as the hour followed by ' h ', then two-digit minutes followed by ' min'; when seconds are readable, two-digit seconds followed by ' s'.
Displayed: 6 h 37 min 29 s
